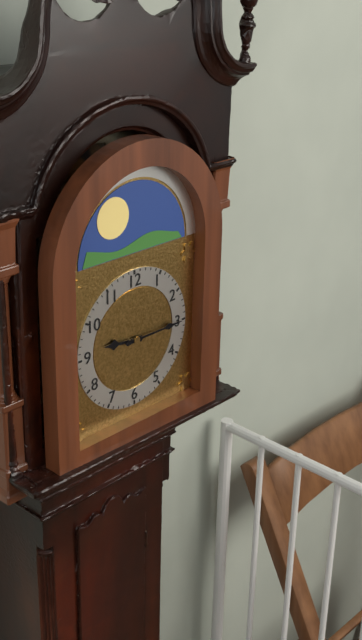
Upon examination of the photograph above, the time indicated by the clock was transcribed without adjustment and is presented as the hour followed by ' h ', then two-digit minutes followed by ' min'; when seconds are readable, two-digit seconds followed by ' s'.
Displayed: 9 h 15 min
